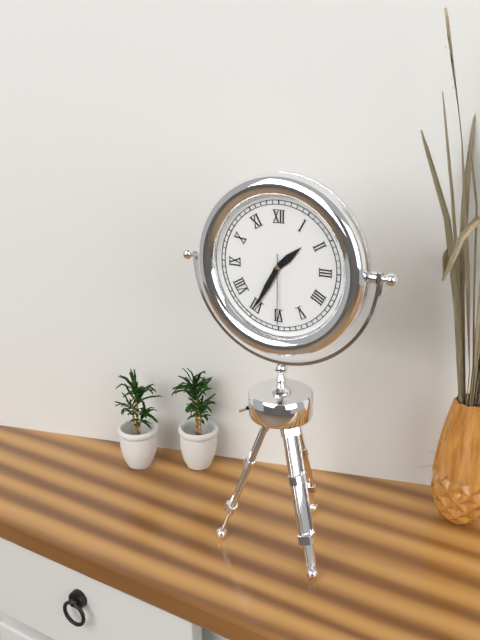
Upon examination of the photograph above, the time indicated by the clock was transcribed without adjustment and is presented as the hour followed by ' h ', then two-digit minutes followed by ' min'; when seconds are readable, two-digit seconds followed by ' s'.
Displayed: 1 h 35 min 30 s
